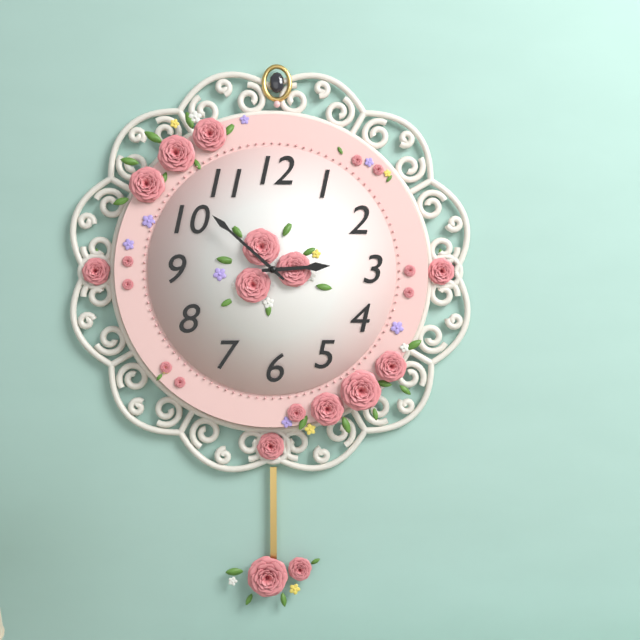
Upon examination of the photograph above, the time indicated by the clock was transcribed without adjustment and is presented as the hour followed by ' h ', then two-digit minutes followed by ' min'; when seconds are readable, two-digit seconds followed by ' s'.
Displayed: 2 h 52 min
